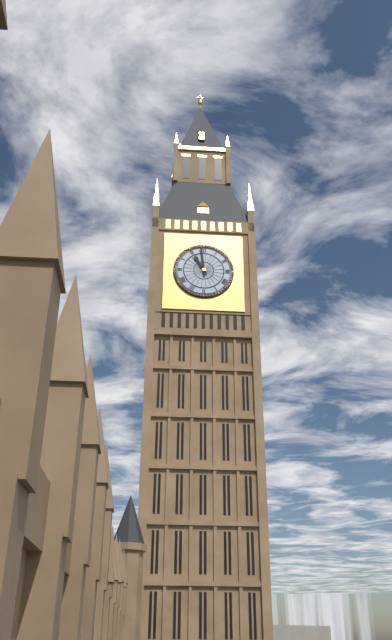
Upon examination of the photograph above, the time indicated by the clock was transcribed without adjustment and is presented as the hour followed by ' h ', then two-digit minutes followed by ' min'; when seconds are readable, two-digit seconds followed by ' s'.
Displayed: 10 h 59 min
